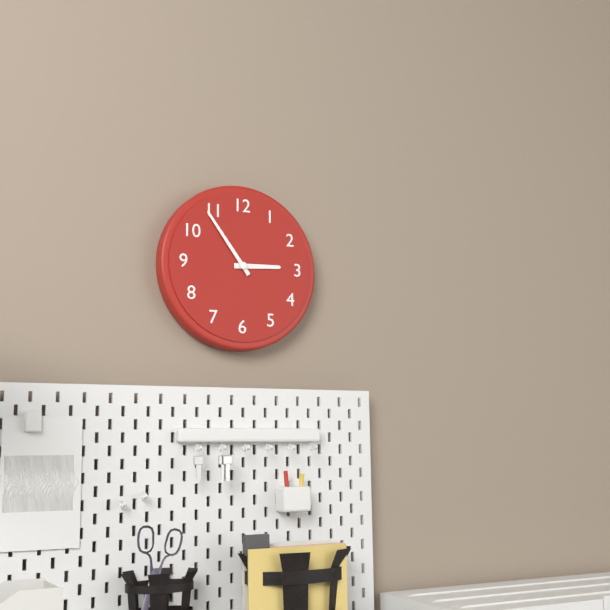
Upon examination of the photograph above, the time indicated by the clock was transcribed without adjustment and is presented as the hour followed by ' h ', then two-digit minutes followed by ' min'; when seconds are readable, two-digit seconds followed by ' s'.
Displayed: 2 h 54 min
